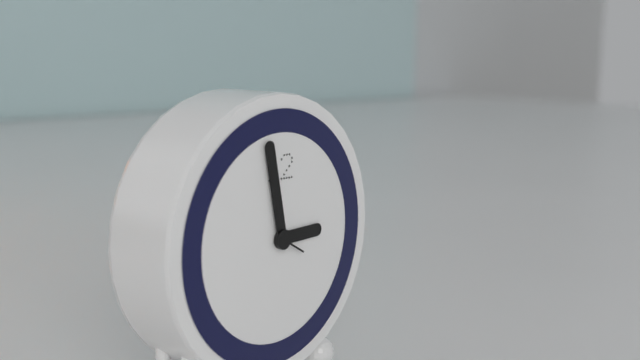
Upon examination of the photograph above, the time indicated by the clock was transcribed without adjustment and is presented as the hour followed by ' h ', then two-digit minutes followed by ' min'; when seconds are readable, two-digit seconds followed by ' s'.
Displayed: 2 h 58 min 20 s
